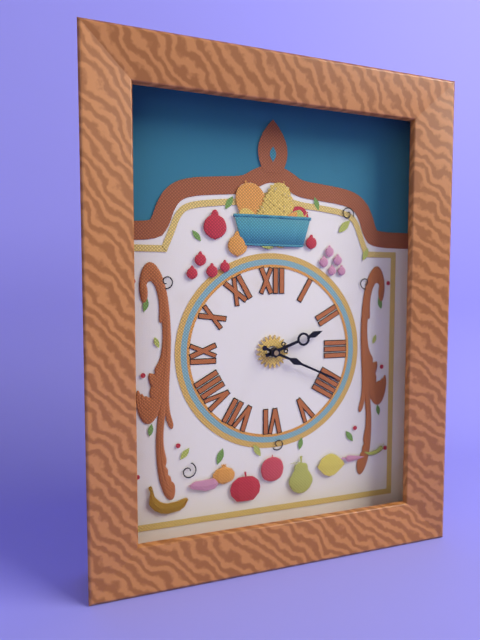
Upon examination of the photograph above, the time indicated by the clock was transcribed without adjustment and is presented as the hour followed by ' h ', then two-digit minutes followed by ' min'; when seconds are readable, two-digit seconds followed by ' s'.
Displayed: 2 h 19 min
